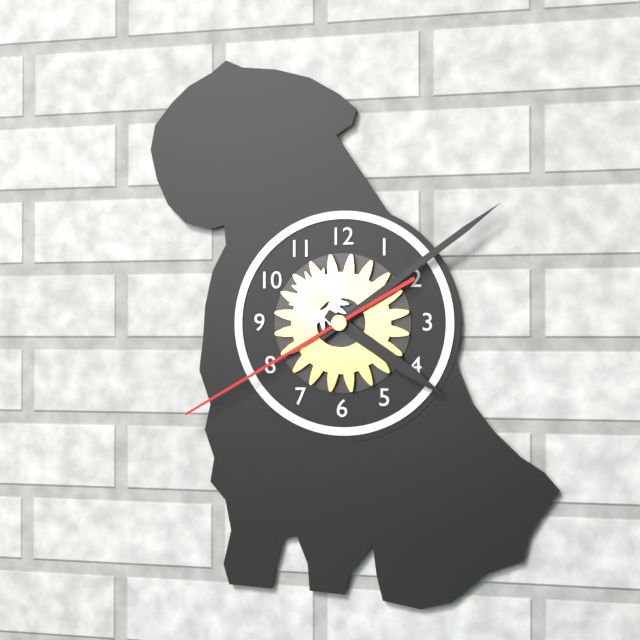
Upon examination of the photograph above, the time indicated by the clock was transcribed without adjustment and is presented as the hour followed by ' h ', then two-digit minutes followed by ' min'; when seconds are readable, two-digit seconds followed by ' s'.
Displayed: 4 h 09 min 40 s
